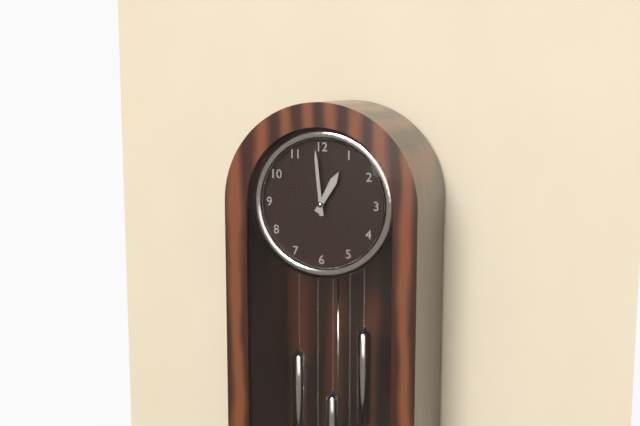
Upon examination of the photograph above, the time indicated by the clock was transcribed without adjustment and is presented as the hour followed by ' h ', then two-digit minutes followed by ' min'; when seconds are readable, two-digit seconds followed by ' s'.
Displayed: 12 h 59 min
